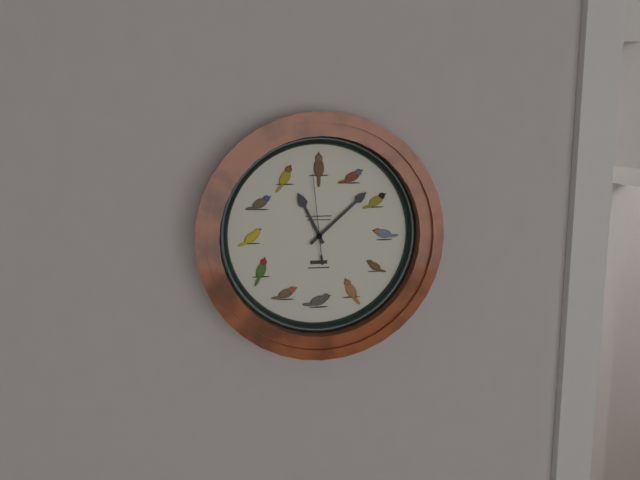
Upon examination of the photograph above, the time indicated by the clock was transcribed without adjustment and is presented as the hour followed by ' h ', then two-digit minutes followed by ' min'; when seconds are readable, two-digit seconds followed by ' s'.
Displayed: 11 h 08 min 59 s
